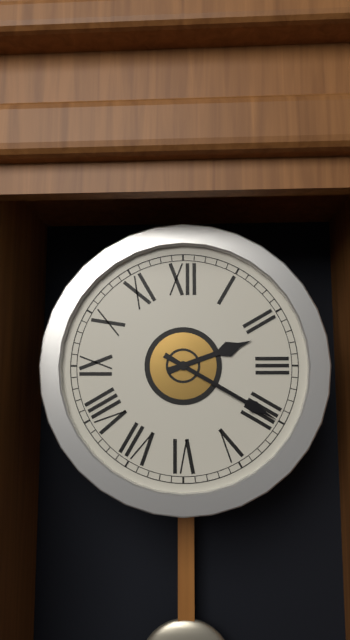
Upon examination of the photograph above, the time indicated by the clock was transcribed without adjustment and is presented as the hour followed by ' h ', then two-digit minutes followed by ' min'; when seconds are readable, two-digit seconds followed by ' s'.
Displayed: 2 h 20 min
